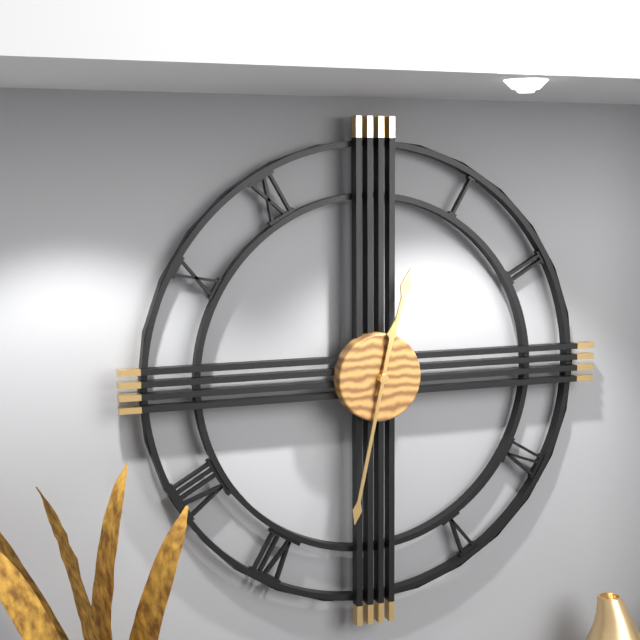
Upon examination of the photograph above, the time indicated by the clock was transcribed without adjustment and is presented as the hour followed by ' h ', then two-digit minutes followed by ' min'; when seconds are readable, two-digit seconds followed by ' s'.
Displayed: 12 h 32 min
